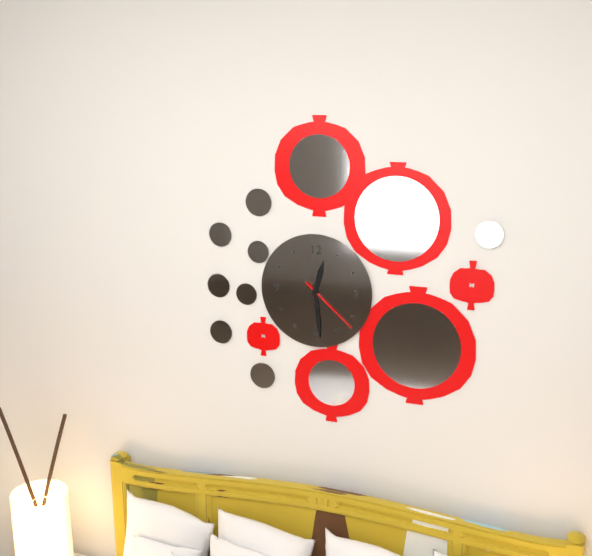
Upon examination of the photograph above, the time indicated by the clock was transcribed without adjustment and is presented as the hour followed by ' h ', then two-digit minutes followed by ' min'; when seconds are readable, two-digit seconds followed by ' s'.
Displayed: 12 h 29 min 22 s
